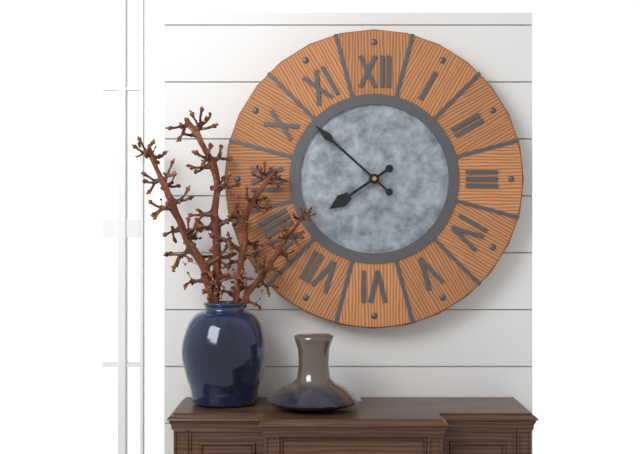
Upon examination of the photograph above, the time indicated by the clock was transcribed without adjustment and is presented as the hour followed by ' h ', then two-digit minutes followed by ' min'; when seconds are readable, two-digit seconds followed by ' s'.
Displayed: 7 h 52 min
